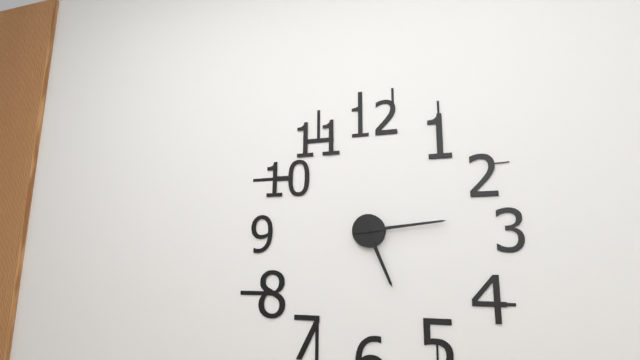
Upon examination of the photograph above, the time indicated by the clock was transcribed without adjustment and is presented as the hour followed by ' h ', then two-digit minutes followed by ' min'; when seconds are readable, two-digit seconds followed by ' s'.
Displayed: 5 h 14 min
